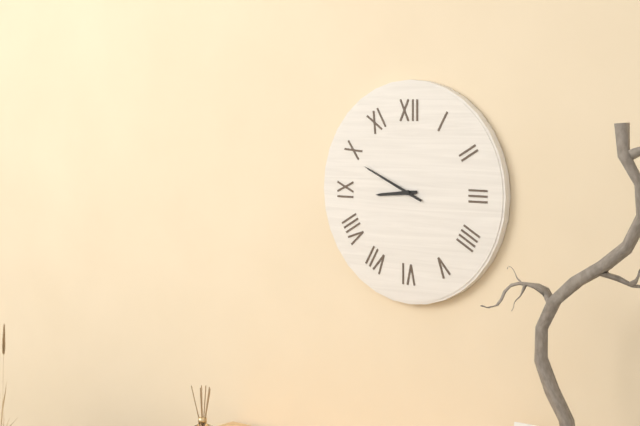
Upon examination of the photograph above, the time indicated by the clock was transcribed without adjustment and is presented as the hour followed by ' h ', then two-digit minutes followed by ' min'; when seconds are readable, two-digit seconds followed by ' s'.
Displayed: 8 h 49 min
